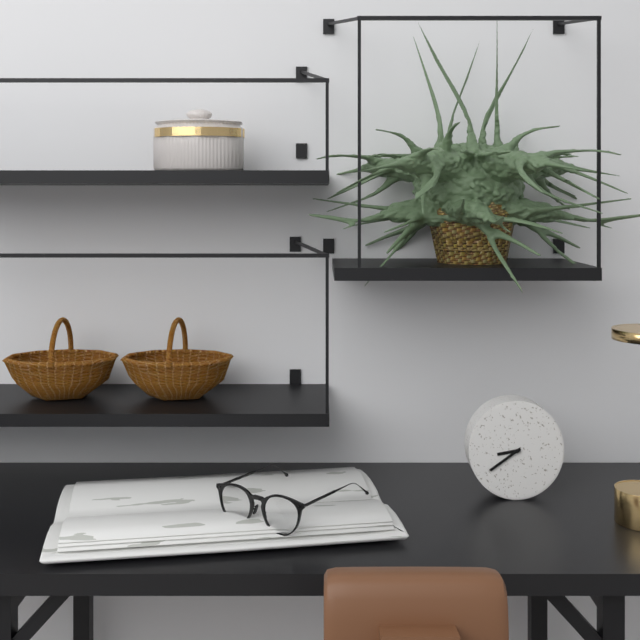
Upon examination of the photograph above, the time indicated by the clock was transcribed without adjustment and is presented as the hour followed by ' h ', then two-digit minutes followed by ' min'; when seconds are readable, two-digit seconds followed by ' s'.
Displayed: 8 h 39 min
